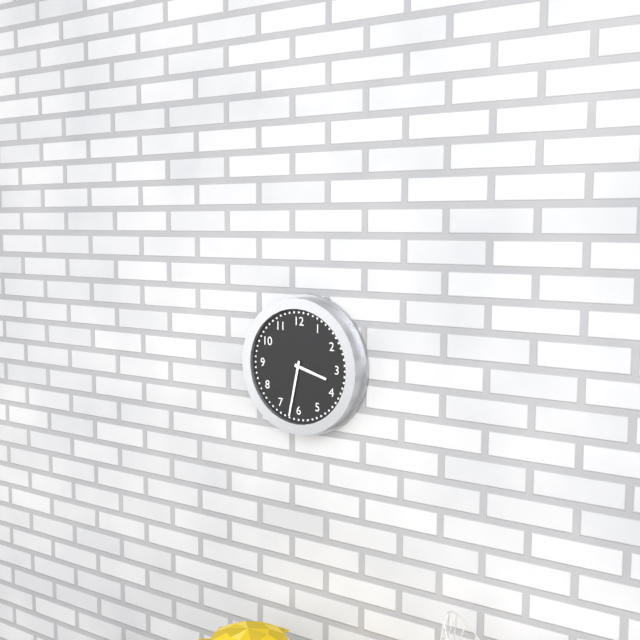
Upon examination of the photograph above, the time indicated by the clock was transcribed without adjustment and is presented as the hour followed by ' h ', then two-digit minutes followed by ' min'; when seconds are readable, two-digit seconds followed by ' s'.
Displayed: 3 h 32 min
